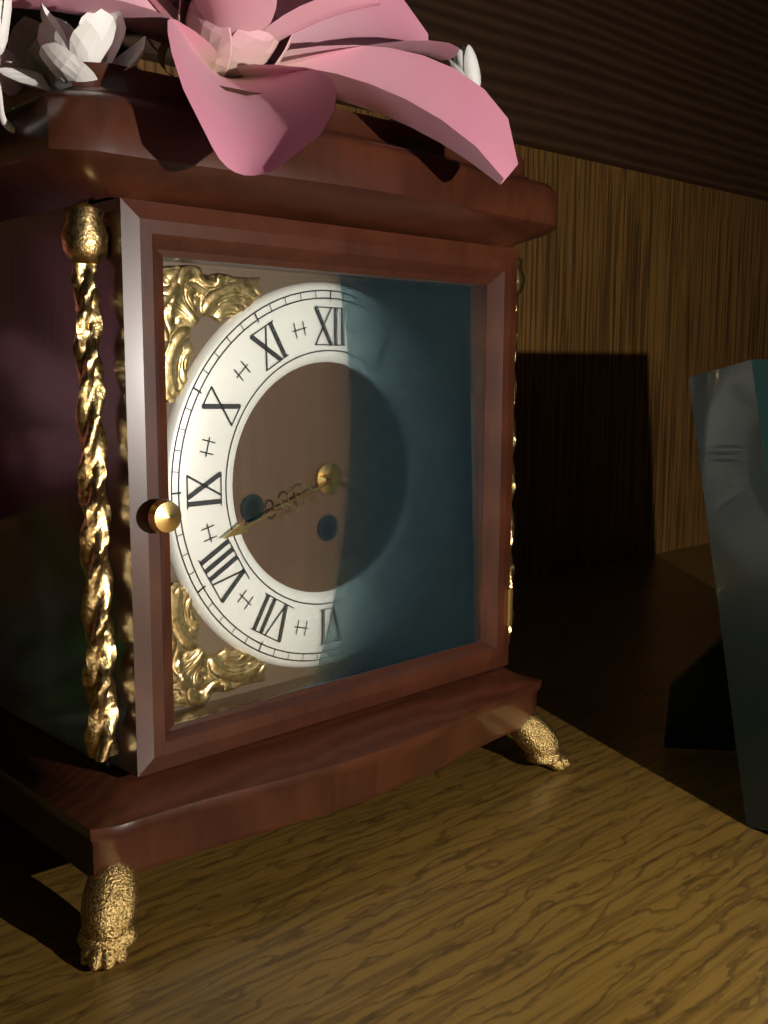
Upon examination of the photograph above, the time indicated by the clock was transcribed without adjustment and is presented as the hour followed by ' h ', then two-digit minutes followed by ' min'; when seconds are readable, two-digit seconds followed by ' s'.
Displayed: 3 h 42 min
